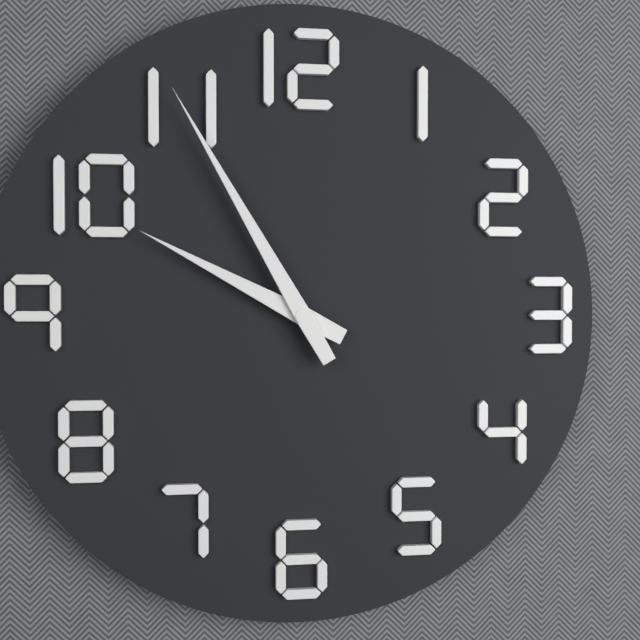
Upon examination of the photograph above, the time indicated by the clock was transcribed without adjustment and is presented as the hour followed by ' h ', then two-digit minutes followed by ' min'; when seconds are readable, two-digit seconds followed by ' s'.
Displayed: 9 h 55 min
